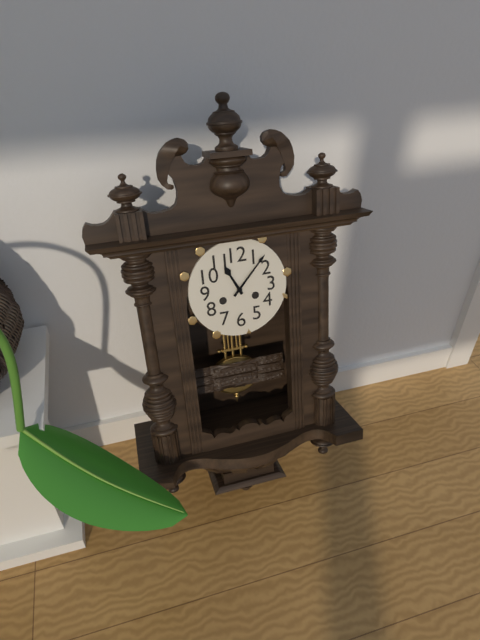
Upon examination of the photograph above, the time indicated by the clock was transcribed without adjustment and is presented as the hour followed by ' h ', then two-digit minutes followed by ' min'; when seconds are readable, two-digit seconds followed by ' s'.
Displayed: 11 h 07 min
